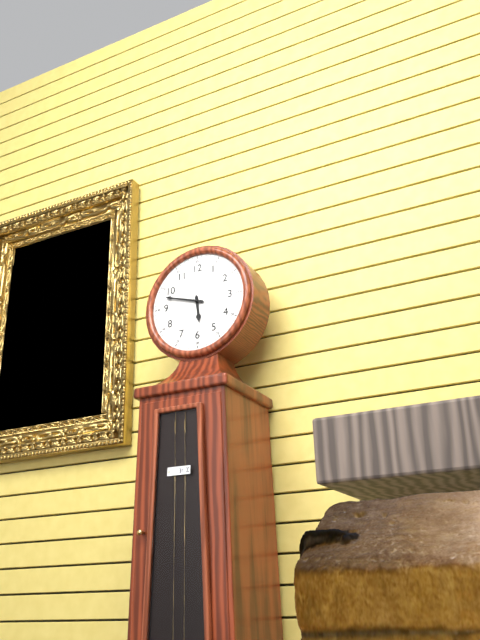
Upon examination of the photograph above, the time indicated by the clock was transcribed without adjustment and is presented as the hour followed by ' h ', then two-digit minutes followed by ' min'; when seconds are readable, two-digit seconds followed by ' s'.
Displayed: 5 h 48 min
